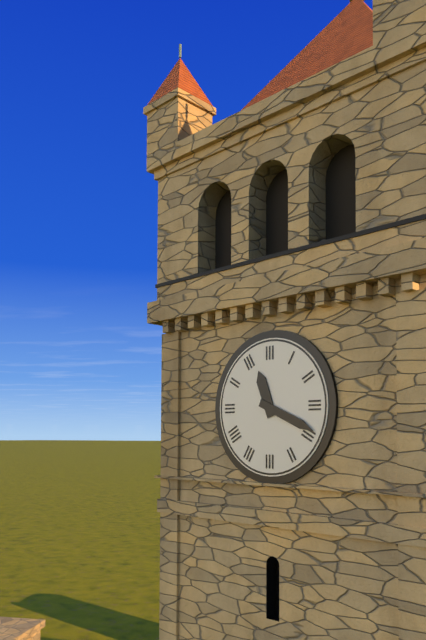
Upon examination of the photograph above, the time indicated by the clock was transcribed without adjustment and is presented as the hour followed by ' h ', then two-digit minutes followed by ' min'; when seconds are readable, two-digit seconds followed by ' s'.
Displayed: 11 h 19 min
